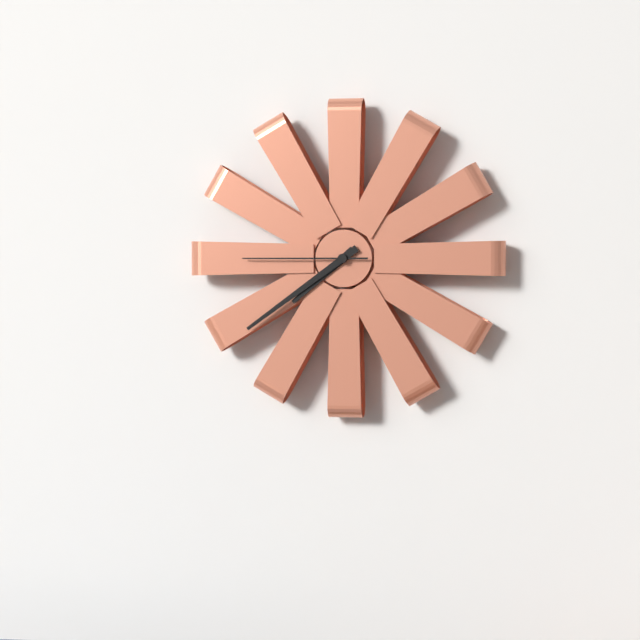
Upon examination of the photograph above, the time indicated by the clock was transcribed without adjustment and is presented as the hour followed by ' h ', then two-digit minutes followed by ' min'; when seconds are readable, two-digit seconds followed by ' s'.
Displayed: 7 h 39 min 45 s
